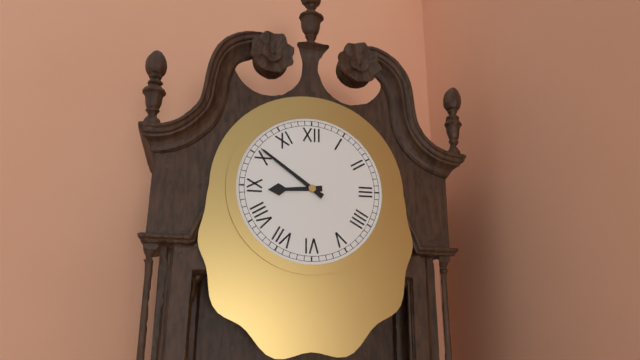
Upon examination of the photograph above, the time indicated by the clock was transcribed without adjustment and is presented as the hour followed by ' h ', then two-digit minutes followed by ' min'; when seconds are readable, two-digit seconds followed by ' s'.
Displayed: 8 h 51 min
